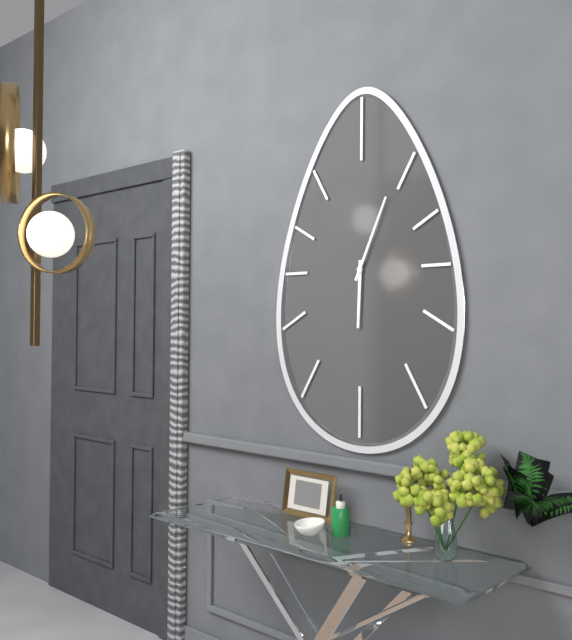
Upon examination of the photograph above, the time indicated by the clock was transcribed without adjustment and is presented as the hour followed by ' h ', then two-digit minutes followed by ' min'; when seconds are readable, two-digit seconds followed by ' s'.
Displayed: 6 h 04 min
